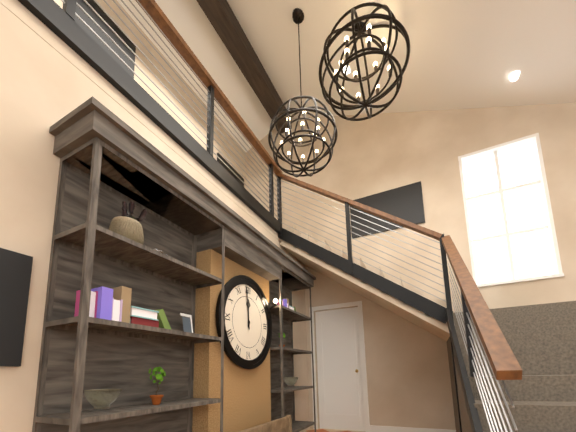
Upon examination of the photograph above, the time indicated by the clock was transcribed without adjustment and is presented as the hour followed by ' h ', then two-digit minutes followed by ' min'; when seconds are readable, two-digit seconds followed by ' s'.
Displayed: 11 h 59 min
